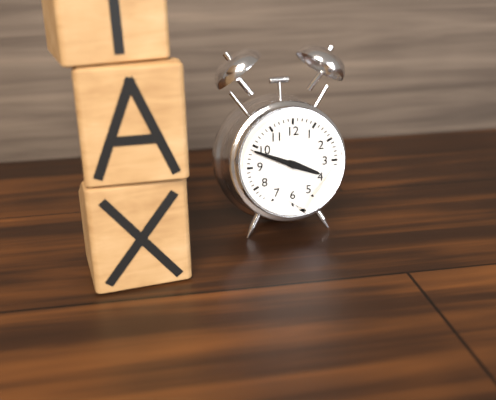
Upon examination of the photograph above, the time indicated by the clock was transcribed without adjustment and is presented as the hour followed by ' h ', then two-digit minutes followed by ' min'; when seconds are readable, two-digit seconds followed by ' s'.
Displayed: 3 h 49 min
